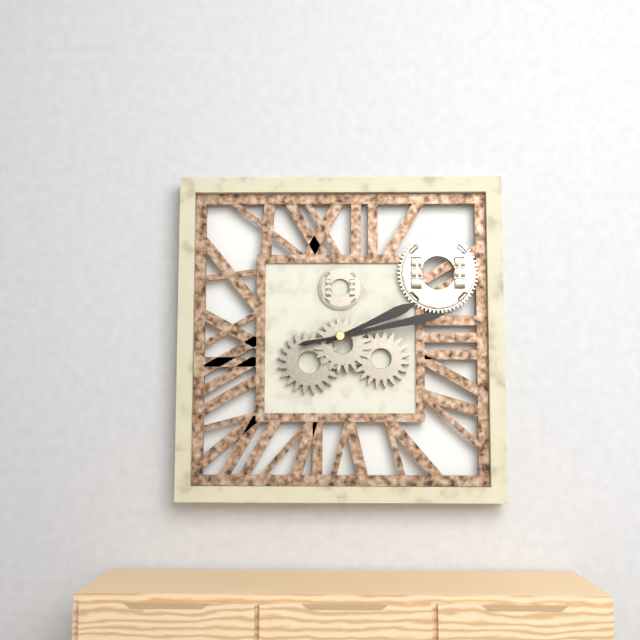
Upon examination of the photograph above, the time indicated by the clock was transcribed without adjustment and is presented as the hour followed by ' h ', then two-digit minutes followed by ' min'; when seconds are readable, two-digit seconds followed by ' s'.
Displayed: 2 h 13 min
